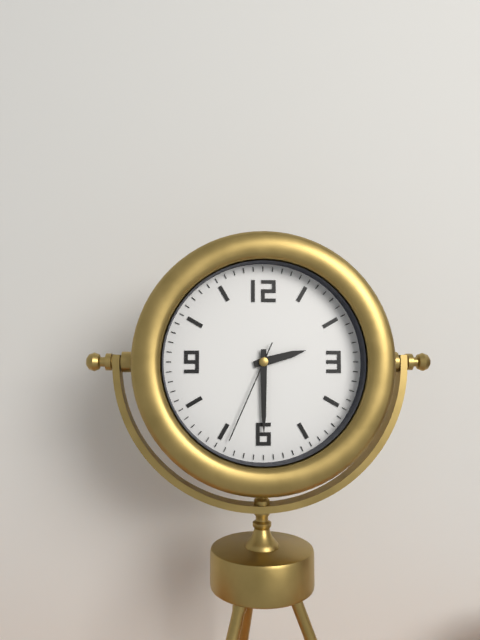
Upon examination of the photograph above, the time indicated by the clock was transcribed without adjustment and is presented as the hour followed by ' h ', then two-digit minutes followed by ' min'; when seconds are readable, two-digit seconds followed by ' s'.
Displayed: 2 h 30 min 34 s
